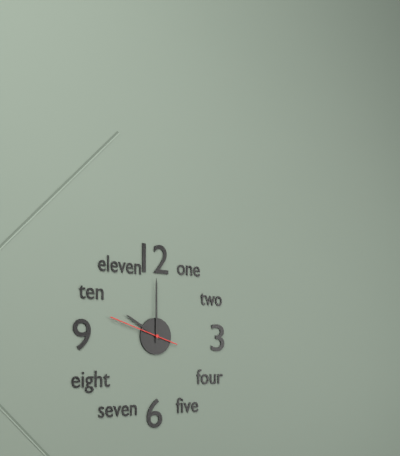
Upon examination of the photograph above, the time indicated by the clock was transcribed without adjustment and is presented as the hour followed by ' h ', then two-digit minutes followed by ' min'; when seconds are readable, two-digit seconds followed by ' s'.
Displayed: 10 h 00 min 48 s
